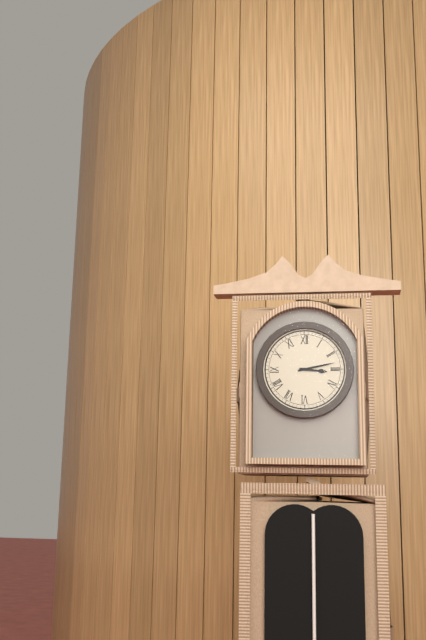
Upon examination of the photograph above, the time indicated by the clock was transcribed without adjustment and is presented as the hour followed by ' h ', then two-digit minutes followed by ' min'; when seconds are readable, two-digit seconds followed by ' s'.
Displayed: 3 h 13 min
